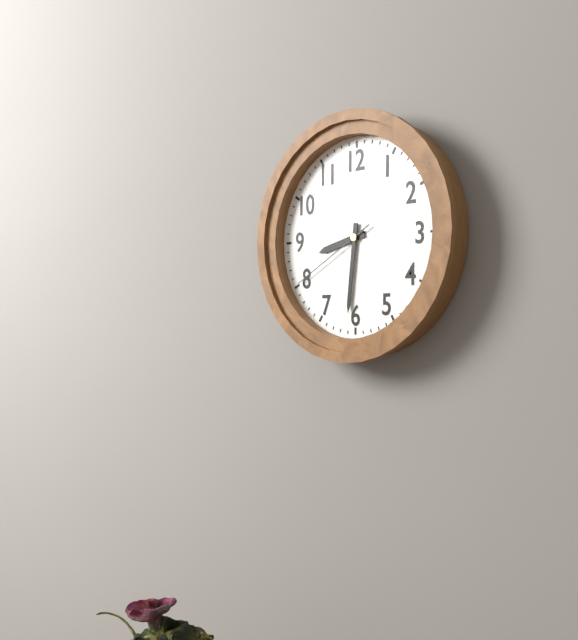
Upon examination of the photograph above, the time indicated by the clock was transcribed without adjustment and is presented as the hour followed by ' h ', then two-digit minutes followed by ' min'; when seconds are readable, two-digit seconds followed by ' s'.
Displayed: 8 h 31 min 40 s
